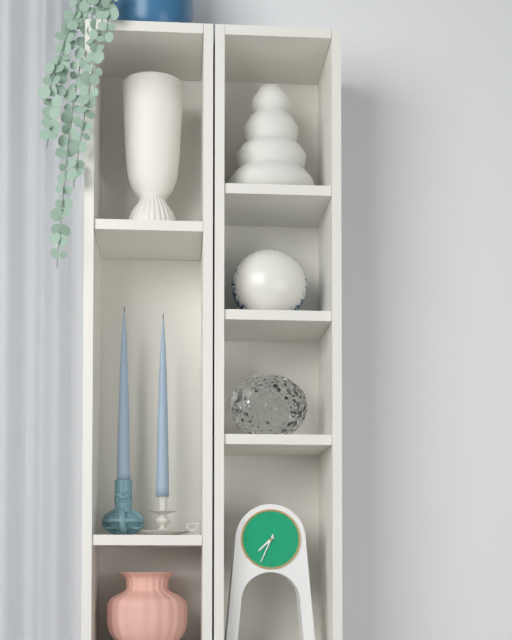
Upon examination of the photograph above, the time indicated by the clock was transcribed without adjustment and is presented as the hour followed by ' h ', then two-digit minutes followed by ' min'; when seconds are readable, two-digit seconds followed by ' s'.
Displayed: 7 h 34 min
